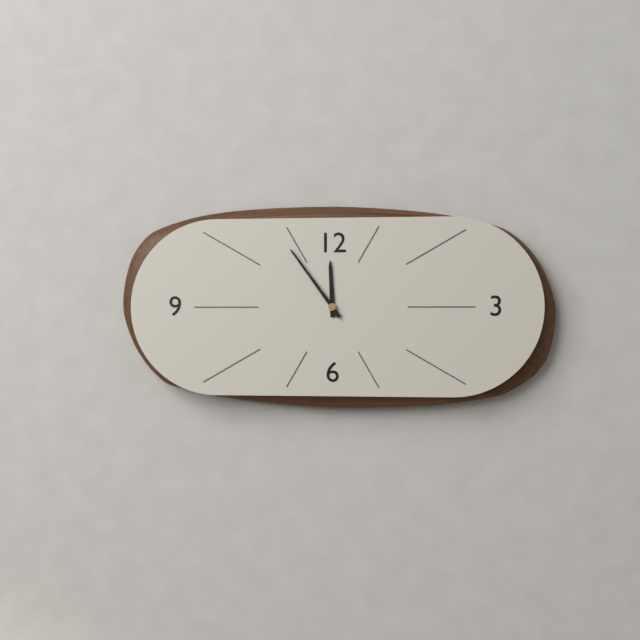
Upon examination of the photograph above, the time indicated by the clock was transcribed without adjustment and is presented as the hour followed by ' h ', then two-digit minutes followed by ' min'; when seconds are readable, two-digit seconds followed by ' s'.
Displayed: 11 h 54 min
